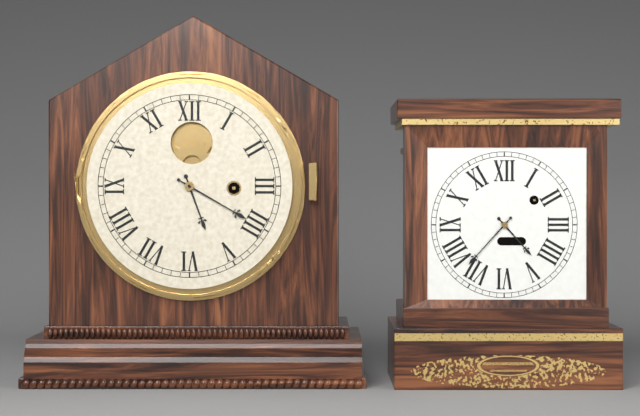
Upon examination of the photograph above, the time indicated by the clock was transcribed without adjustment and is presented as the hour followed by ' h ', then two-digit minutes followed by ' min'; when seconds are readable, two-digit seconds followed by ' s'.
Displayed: 5 h 20 min
